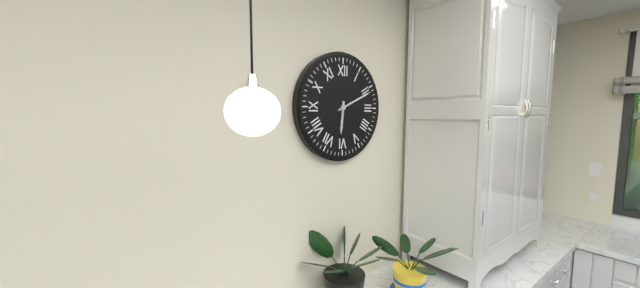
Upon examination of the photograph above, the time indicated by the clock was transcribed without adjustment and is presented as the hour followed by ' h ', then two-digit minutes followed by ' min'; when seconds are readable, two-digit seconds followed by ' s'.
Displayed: 6 h 11 min
